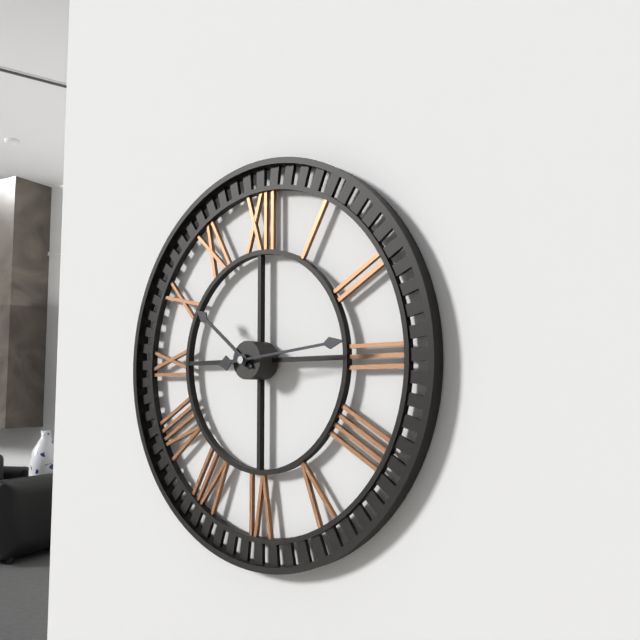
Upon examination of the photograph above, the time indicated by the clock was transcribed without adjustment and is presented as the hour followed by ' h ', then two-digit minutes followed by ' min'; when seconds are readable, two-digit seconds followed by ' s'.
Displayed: 10 h 14 min
